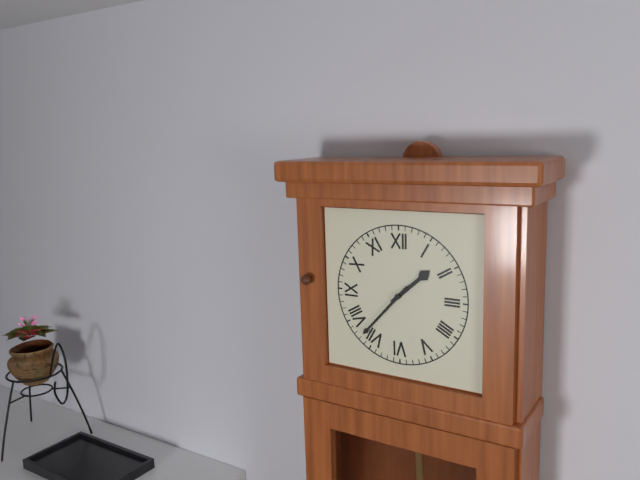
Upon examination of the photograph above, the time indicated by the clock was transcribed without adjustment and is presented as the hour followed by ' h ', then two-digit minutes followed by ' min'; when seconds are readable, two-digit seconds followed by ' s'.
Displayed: 1 h 37 min
